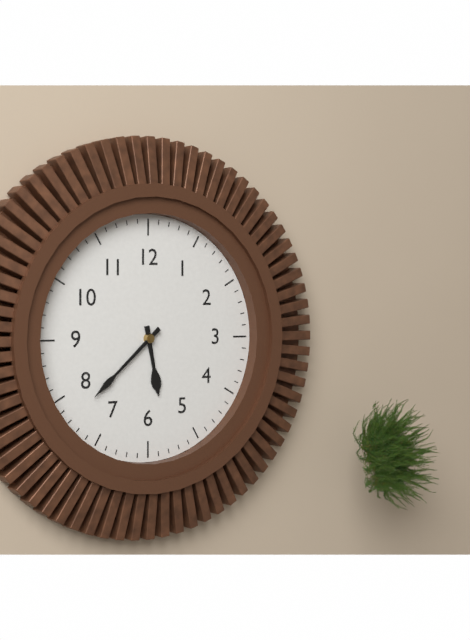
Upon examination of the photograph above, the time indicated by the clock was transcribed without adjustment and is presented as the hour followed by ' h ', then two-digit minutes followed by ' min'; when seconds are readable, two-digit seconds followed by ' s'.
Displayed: 5 h 38 min
